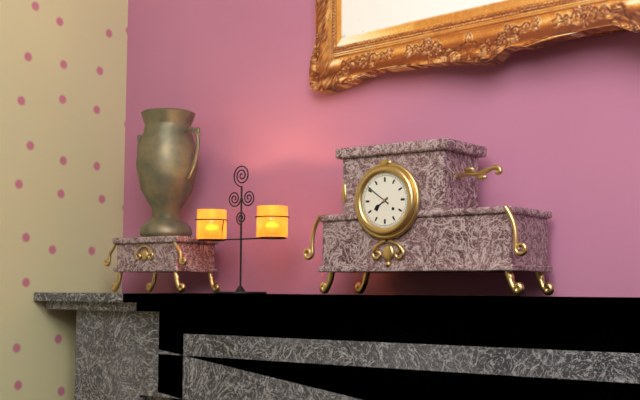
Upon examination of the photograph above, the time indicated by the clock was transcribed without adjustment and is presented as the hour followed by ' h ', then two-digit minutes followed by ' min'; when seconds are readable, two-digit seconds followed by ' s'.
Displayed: 7 h 51 min
